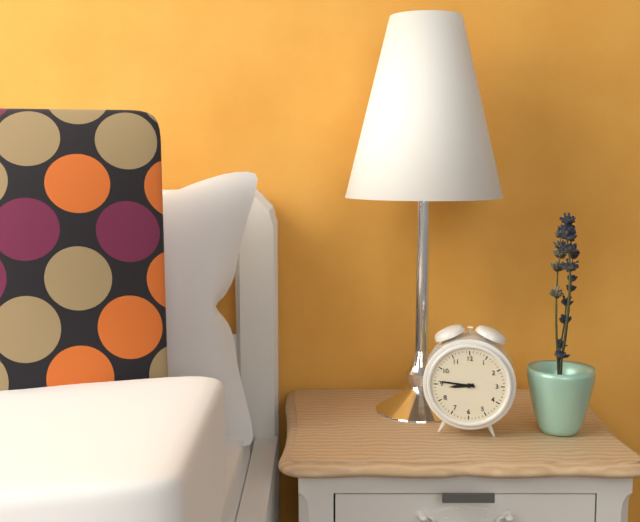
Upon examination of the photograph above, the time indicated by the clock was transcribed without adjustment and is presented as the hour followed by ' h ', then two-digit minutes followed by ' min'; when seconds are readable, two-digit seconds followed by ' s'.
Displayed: 8 h 46 min
